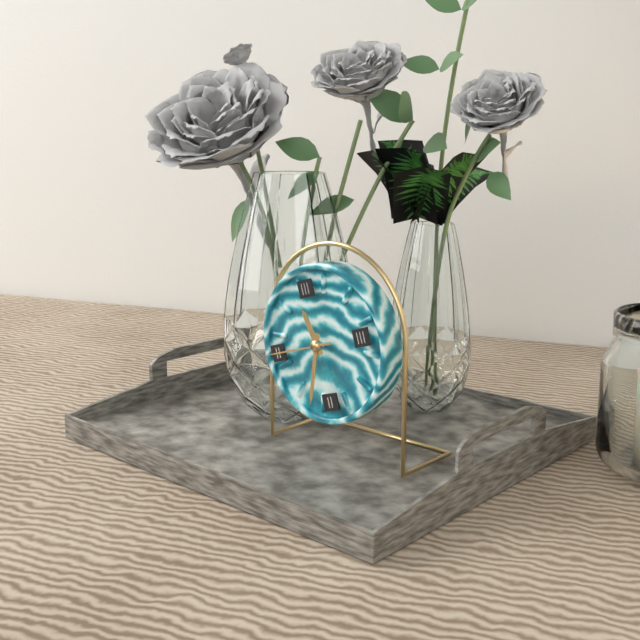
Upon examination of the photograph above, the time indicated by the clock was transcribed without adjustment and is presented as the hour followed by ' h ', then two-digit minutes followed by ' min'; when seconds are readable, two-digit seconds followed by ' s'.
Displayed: 11 h 34 min 45 s
